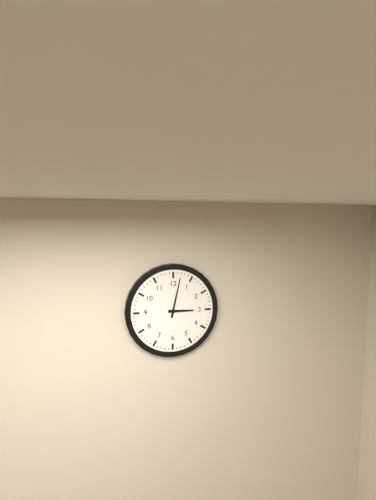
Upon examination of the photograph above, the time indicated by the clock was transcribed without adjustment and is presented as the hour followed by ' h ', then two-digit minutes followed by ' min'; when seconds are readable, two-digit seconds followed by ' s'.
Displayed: 3 h 02 min
